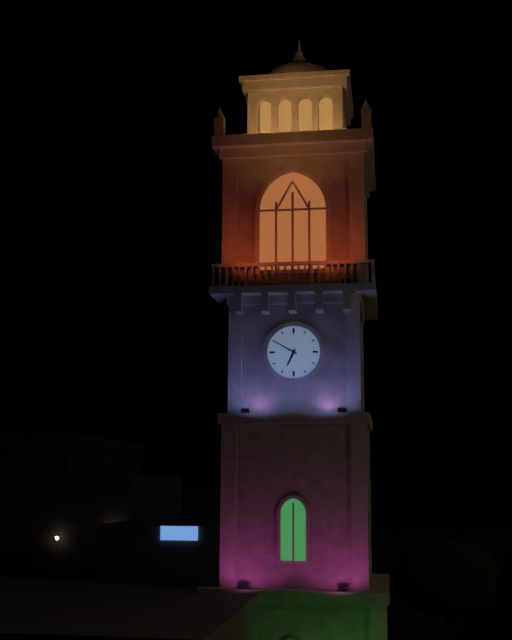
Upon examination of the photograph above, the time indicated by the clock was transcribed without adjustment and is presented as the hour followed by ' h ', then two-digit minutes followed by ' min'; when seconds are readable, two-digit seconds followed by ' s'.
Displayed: 6 h 50 min
